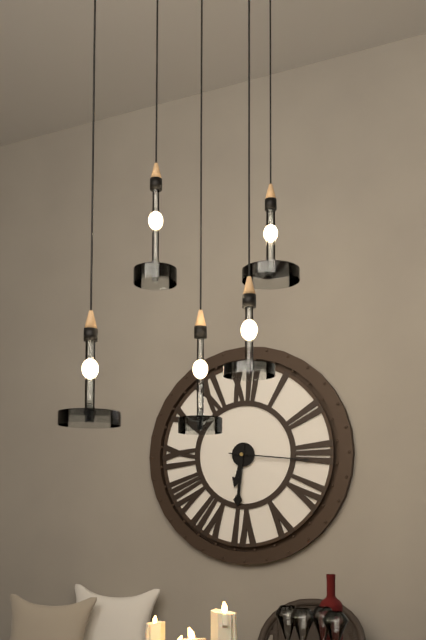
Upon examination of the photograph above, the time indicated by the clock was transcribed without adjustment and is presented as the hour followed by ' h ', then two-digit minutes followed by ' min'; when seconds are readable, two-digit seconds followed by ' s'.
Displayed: 6 h 31 min 16 s
